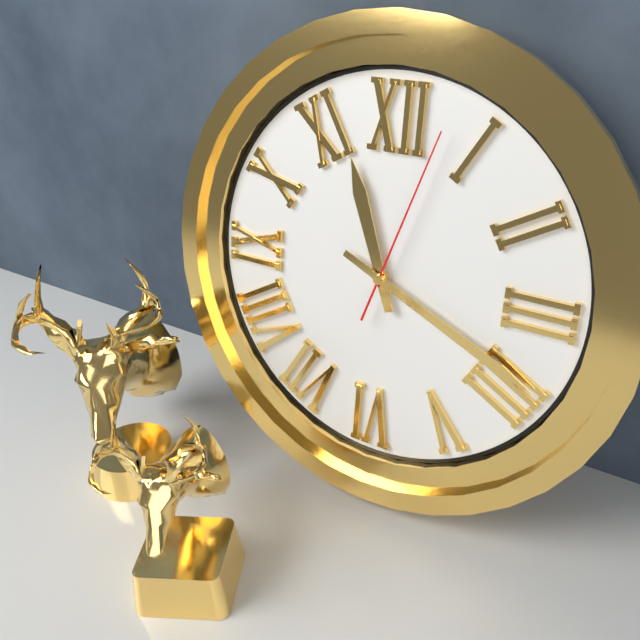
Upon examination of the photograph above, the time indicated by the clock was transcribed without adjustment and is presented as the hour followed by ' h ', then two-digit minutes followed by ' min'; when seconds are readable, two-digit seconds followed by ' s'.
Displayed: 11 h 19 min 03 s
